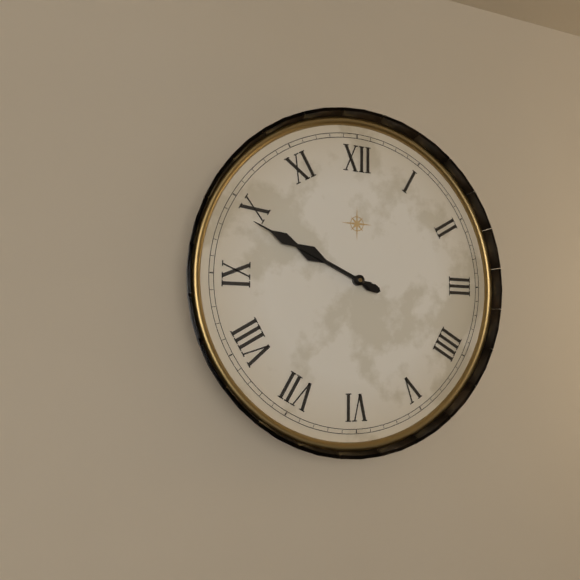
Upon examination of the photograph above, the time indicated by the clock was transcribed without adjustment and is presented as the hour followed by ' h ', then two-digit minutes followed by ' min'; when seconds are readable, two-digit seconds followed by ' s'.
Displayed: 9 h 49 min
